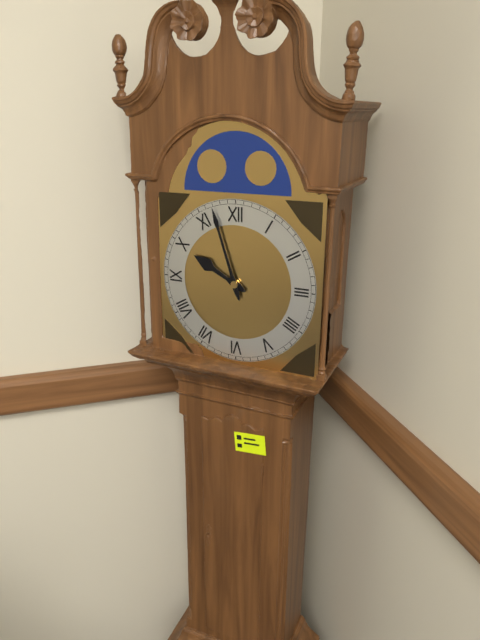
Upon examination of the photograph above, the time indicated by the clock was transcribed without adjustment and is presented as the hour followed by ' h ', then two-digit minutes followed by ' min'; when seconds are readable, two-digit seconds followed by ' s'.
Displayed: 9 h 57 min
